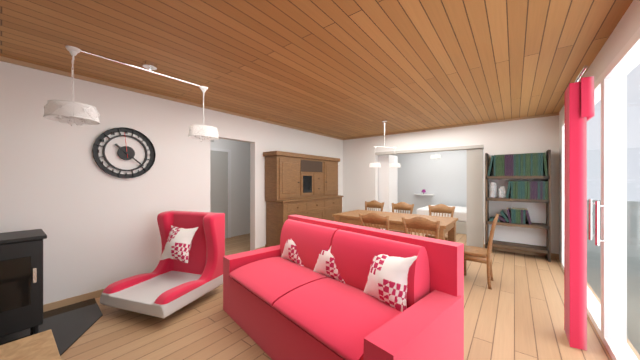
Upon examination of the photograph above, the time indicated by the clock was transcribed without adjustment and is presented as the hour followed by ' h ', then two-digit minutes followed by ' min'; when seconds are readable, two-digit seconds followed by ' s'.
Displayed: 10 h 22 min
